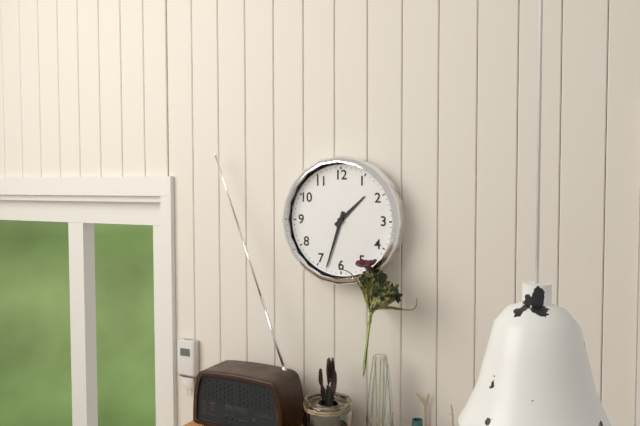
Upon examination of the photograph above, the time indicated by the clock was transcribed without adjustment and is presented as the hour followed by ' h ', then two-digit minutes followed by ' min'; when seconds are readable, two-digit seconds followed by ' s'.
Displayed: 1 h 33 min
